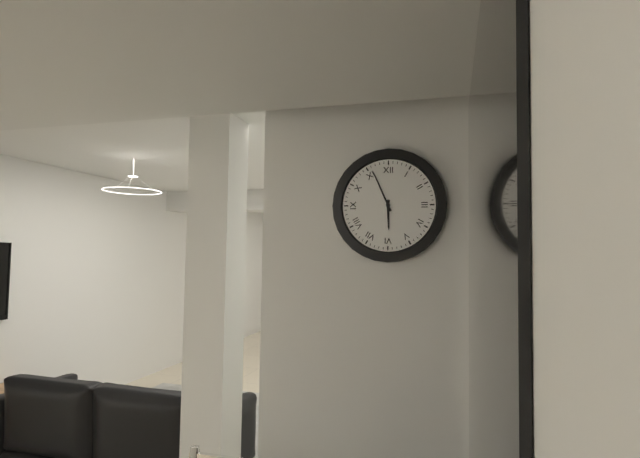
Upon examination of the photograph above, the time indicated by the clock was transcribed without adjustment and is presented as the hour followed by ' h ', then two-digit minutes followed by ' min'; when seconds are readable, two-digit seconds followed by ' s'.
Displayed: 5 h 56 min
